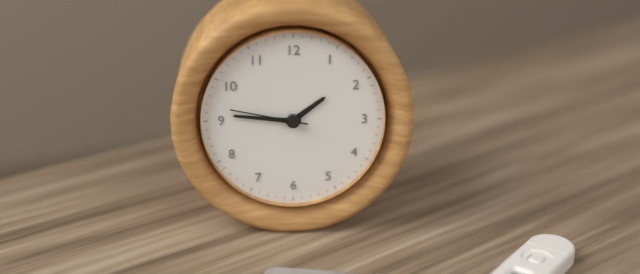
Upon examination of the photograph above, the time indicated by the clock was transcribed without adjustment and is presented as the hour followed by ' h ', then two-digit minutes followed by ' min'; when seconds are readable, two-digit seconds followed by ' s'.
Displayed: 1 h 46 min 47 s
